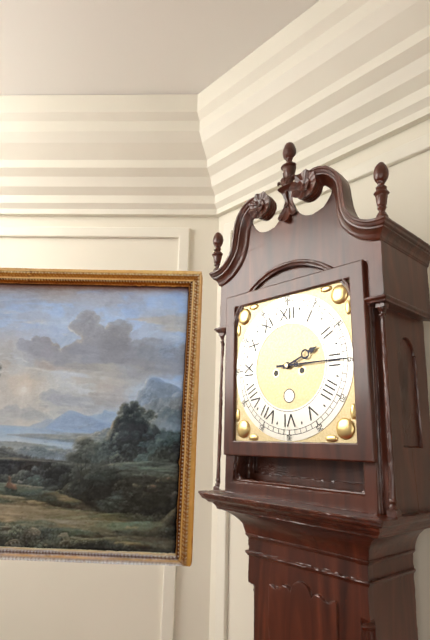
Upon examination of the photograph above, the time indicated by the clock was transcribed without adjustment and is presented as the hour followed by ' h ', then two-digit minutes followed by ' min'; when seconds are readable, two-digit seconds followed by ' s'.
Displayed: 2 h 15 min
